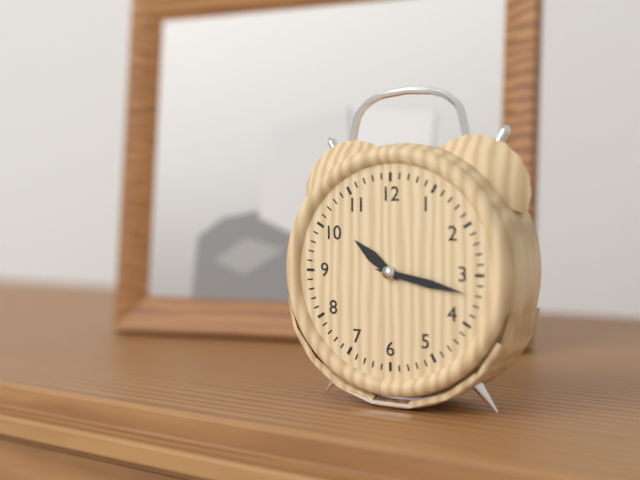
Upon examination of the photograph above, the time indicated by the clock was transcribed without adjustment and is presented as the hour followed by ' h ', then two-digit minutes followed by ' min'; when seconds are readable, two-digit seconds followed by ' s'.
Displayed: 10 h 17 min
